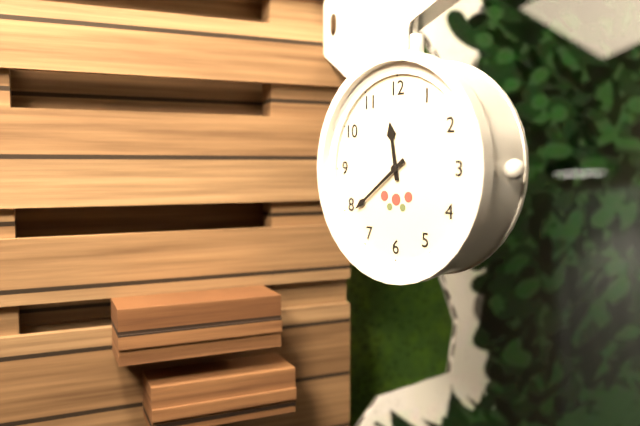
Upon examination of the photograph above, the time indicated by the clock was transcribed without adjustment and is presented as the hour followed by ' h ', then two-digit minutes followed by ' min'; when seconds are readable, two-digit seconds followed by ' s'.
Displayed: 11 h 39 min
